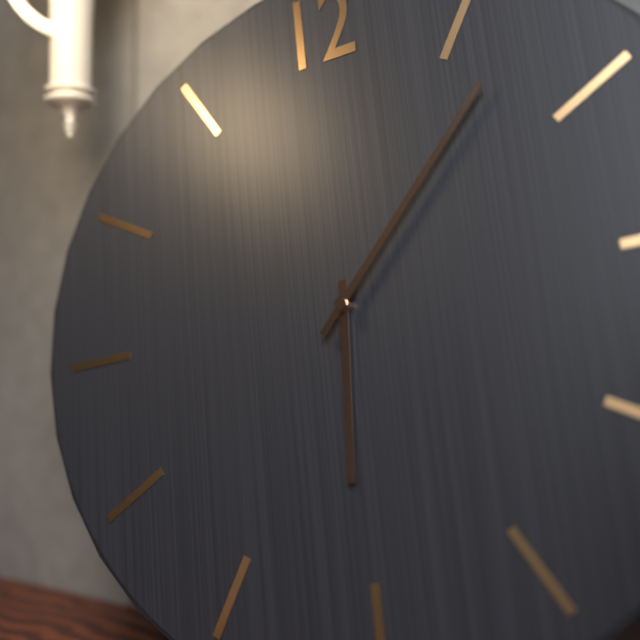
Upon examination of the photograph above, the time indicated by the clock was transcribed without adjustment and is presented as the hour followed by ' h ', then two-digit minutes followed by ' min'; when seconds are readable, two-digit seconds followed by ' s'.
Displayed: 6 h 07 min
